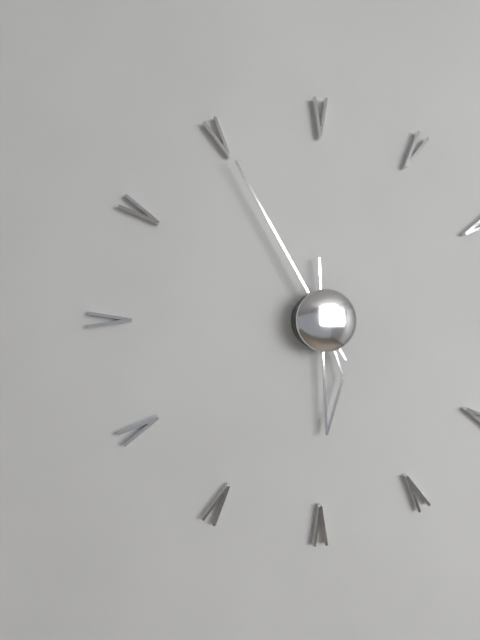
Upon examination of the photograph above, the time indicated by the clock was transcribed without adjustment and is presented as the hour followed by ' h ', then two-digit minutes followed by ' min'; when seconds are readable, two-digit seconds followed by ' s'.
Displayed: 5 h 55 min
